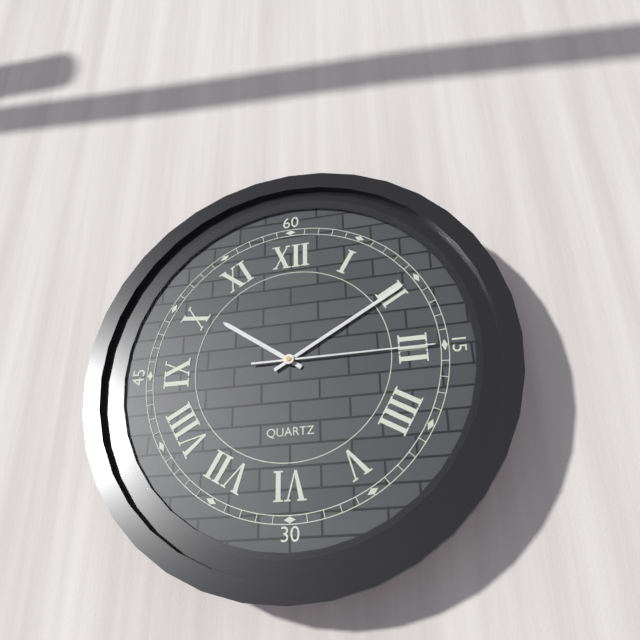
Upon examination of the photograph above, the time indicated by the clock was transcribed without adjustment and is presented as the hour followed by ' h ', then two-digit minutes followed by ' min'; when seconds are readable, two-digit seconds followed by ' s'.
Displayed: 10 h 10 min 15 s
